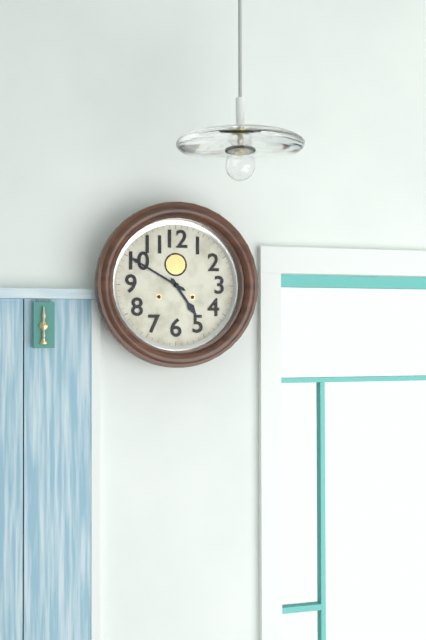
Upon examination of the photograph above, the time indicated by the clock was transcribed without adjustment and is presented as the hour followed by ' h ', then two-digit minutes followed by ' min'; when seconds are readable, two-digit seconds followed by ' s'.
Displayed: 4 h 50 min
